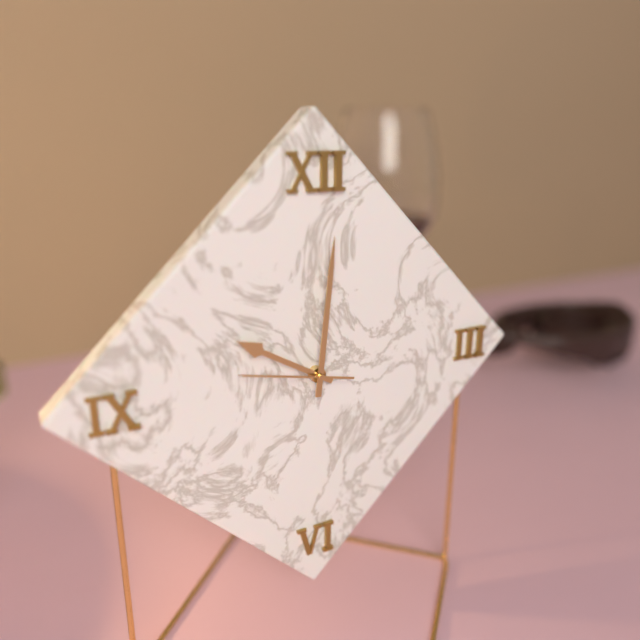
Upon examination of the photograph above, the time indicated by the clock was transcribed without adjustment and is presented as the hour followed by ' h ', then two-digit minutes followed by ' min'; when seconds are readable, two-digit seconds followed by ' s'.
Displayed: 10 h 01 min 47 s
